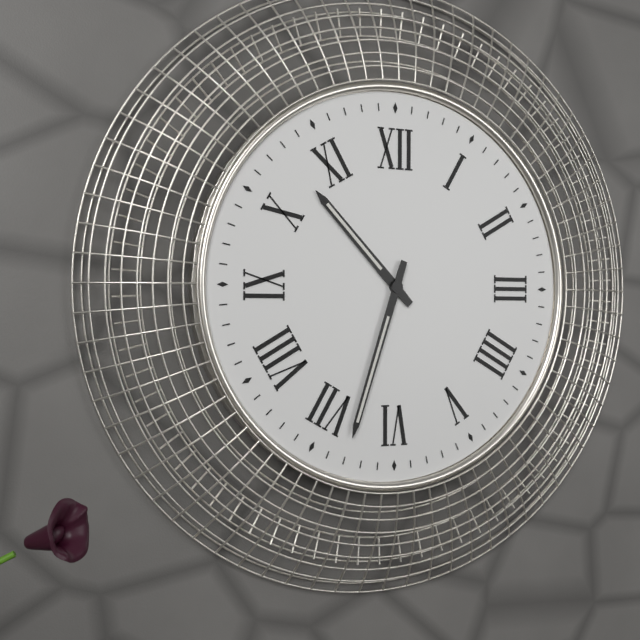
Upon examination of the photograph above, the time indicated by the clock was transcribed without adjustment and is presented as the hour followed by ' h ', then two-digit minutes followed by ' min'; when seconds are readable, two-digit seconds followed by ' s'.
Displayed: 10 h 33 min
